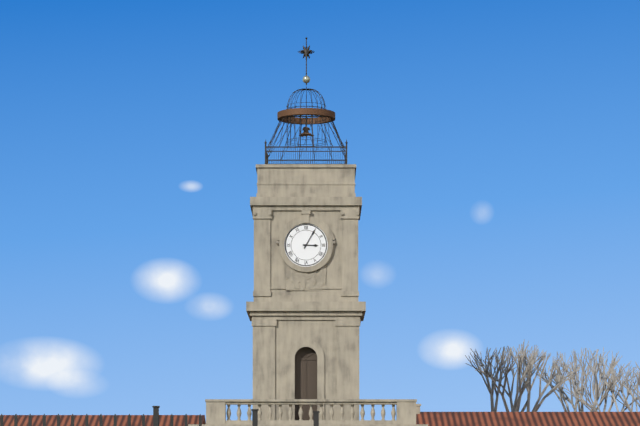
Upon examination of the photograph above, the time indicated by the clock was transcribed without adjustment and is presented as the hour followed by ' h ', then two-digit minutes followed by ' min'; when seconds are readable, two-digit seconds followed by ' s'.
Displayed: 3 h 05 min
